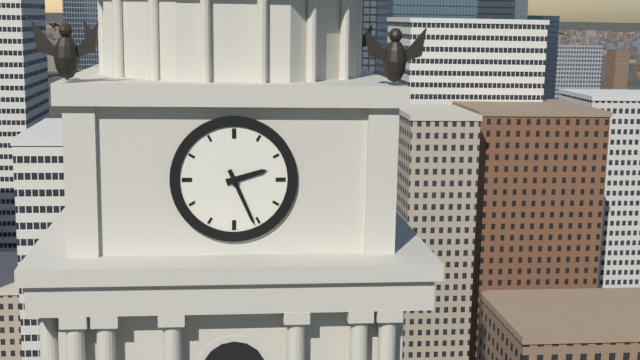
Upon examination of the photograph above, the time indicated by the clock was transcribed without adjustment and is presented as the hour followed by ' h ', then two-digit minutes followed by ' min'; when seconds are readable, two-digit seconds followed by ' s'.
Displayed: 2 h 26 min
